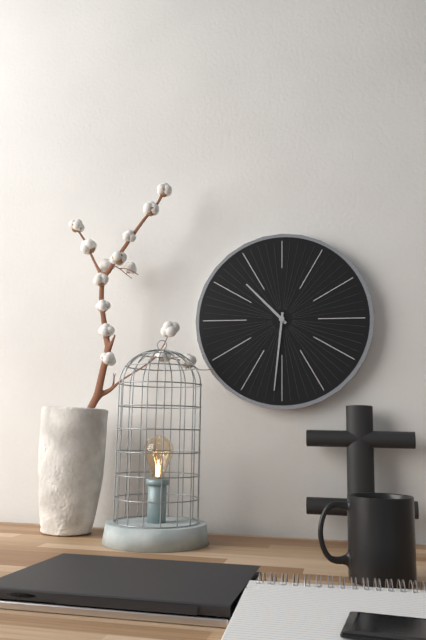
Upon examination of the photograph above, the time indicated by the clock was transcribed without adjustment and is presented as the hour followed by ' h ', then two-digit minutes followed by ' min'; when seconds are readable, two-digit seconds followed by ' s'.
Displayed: 10 h 31 min
